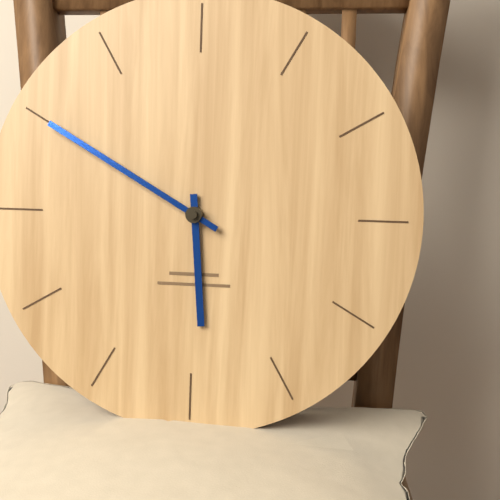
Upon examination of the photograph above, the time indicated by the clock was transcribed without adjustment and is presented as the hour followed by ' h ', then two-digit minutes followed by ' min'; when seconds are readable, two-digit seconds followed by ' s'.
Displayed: 5 h 50 min
